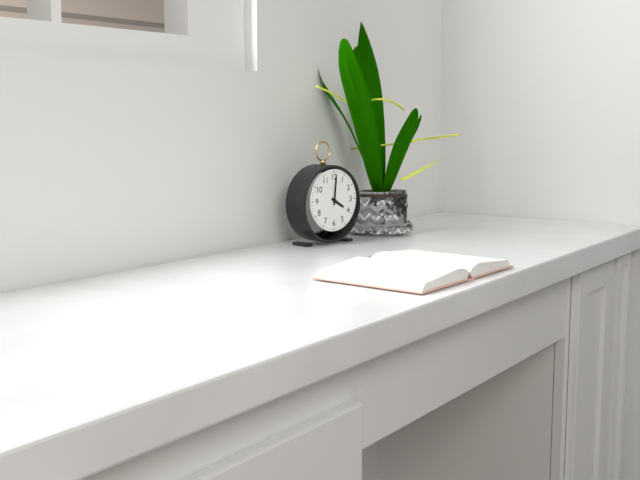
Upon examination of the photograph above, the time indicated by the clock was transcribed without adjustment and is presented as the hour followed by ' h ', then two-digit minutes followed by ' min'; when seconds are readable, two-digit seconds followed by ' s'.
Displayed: 4 h 01 min
